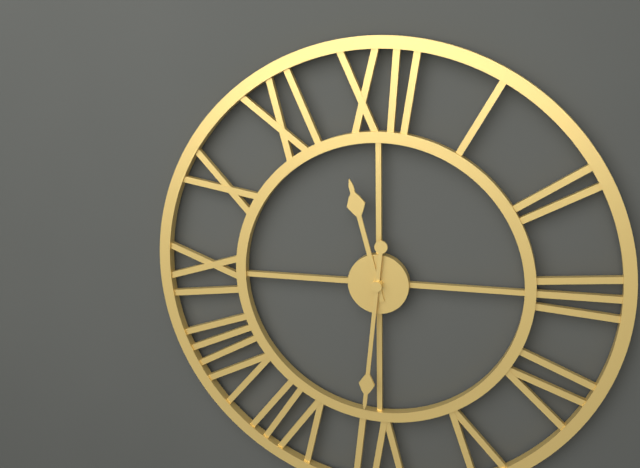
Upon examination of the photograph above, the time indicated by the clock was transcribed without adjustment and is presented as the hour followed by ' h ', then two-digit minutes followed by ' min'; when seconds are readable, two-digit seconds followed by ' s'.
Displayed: 11 h 31 min
